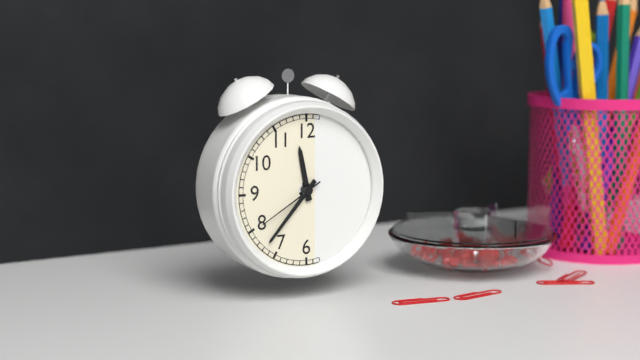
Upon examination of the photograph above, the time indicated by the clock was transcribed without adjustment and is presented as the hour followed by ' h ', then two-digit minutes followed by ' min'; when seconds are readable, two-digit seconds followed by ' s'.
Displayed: 11 h 37 min 40 s
